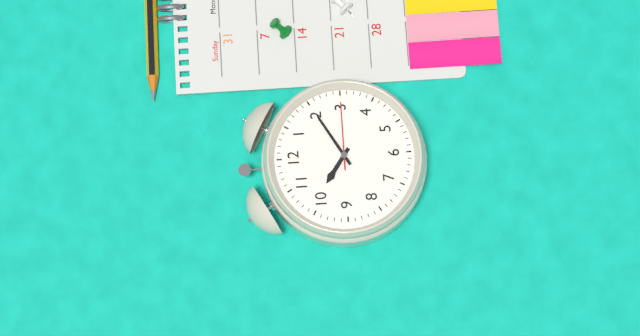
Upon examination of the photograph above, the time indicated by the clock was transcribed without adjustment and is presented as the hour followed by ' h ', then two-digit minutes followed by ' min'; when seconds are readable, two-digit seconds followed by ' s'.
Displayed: 10 h 10 min 15 s
